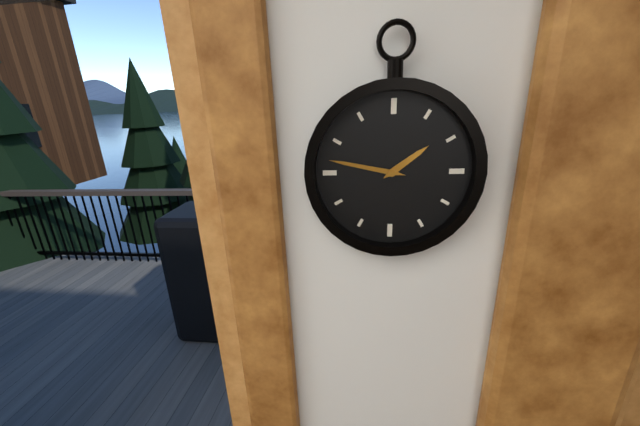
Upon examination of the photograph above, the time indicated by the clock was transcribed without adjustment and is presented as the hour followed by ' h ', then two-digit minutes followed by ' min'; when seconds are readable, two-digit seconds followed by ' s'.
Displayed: 1 h 47 min
